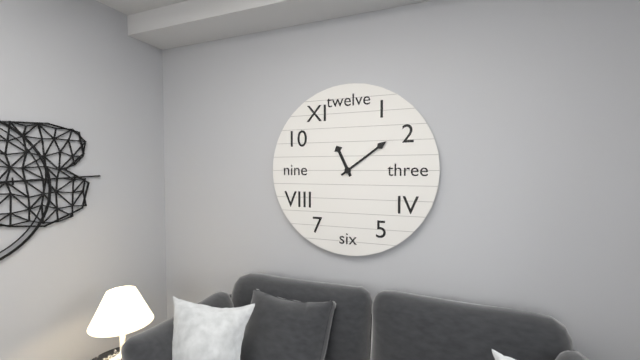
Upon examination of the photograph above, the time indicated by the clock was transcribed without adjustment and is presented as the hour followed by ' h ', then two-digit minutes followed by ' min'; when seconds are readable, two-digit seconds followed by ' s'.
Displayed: 11 h 09 min
